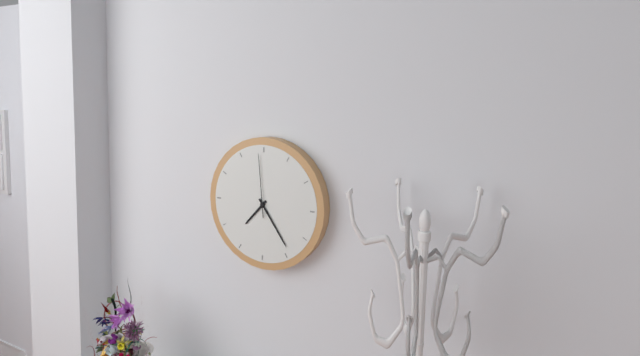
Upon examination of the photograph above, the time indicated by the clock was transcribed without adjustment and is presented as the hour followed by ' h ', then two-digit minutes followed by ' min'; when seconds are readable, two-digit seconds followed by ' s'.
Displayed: 7 h 24 min 59 s
